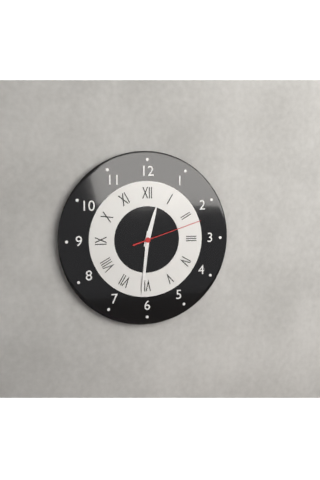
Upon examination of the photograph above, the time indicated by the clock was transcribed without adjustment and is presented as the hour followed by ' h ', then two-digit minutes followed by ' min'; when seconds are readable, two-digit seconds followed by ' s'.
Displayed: 12 h 31 min 12 s
